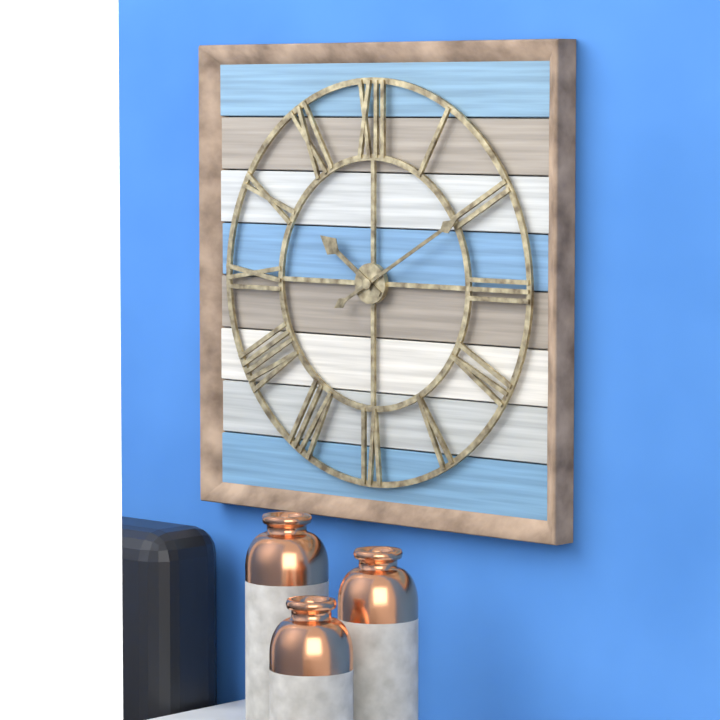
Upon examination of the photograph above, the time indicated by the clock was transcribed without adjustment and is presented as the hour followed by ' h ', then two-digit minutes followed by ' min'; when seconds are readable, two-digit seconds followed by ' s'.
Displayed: 10 h 10 min
